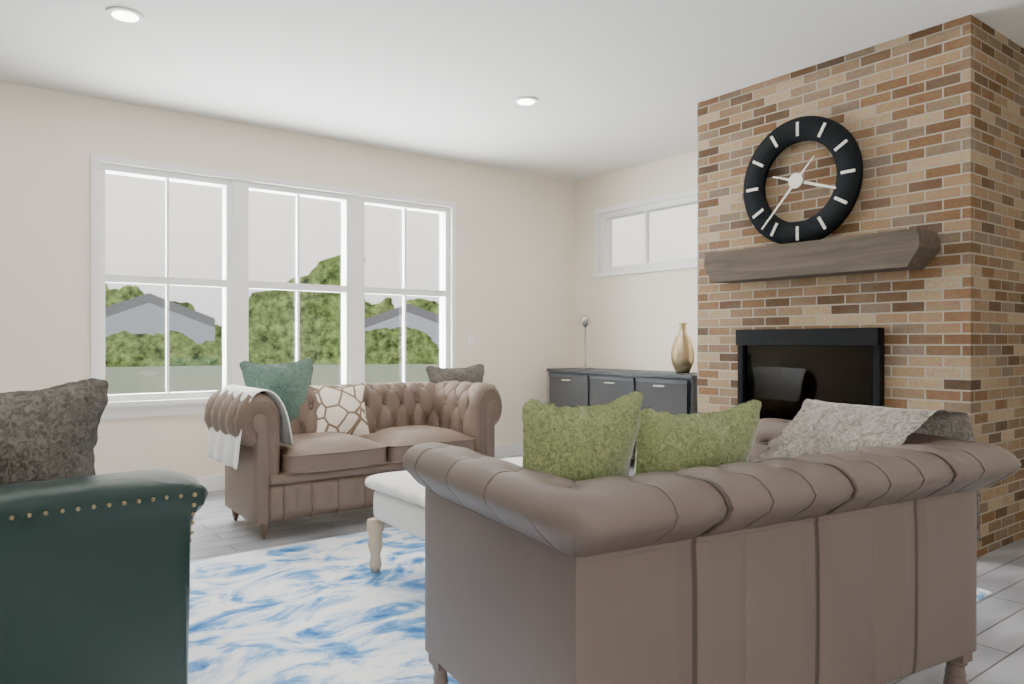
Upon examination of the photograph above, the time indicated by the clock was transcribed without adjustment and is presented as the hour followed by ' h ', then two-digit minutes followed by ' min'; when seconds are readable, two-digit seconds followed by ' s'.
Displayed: 3 h 37 min
